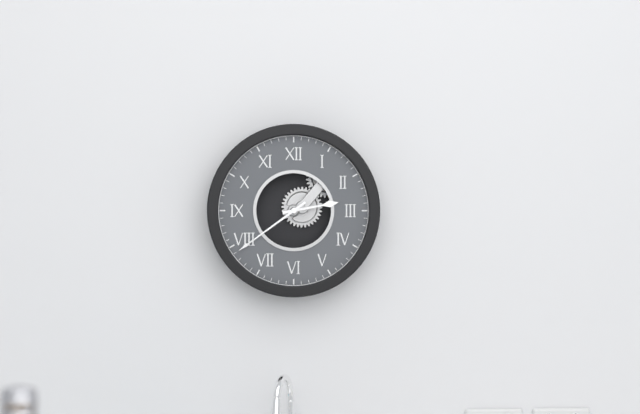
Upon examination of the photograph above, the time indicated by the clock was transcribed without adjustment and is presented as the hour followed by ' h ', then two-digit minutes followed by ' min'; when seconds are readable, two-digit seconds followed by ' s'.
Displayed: 2 h 39 min
